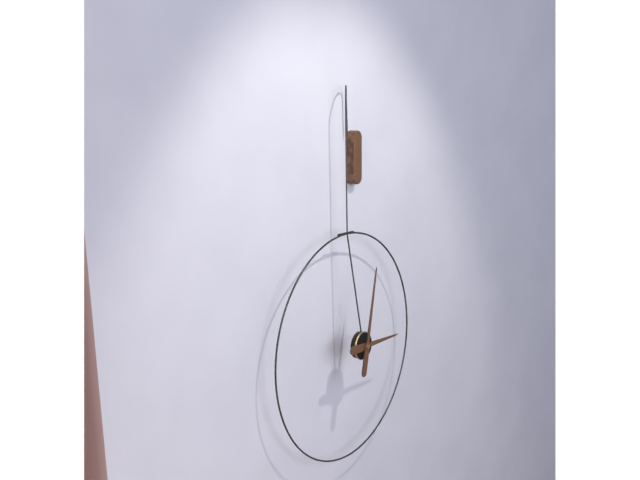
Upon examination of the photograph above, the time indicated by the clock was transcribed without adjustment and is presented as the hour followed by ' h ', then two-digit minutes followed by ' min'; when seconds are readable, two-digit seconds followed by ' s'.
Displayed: 3 h 02 min
